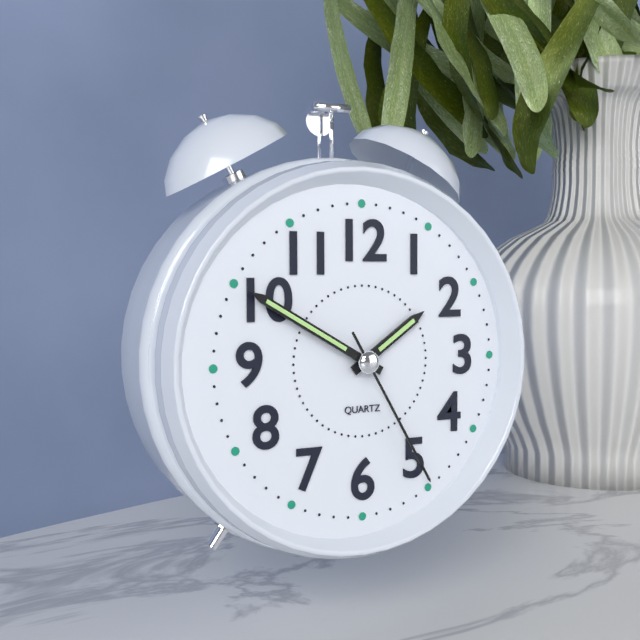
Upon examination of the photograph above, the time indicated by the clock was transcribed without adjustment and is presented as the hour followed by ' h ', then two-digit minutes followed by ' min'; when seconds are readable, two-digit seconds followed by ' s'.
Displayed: 1 h 50 min 25 s
